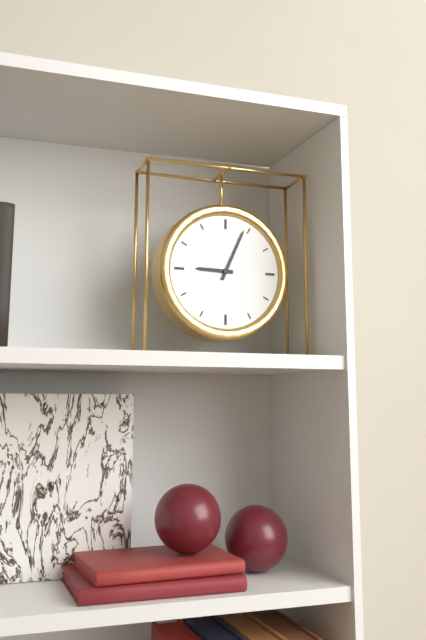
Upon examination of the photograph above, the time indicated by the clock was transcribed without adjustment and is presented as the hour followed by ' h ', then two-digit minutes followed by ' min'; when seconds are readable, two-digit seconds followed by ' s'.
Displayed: 9 h 04 min
